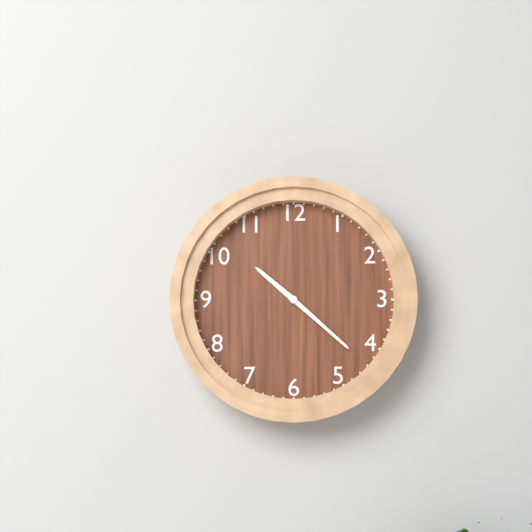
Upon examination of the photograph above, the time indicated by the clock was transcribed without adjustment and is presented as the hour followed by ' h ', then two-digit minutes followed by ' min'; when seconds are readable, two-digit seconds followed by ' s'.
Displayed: 10 h 22 min
